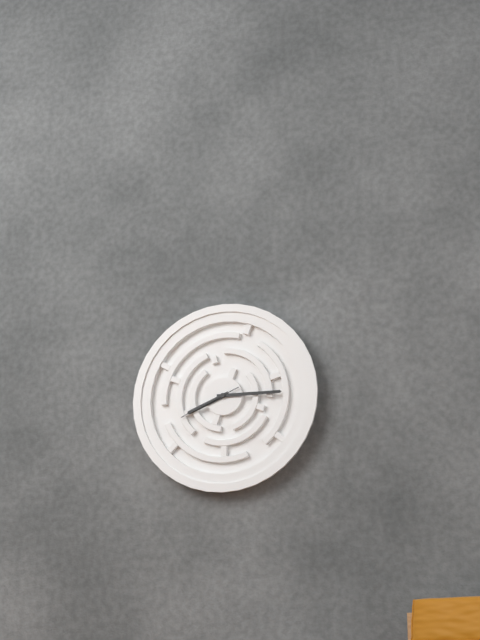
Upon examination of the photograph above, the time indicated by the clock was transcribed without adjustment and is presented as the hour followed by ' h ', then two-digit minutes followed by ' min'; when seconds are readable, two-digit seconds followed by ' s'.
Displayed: 8 h 15 min 41 s
